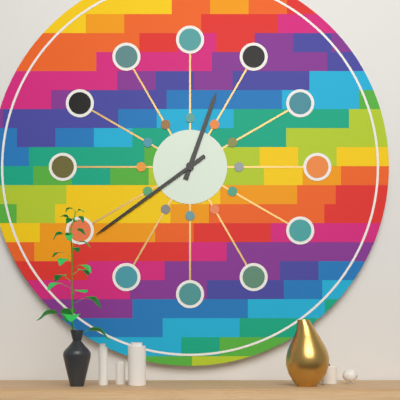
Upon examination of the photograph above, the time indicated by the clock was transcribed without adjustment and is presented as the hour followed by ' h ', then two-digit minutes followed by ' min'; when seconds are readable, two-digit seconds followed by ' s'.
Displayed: 12 h 39 min
